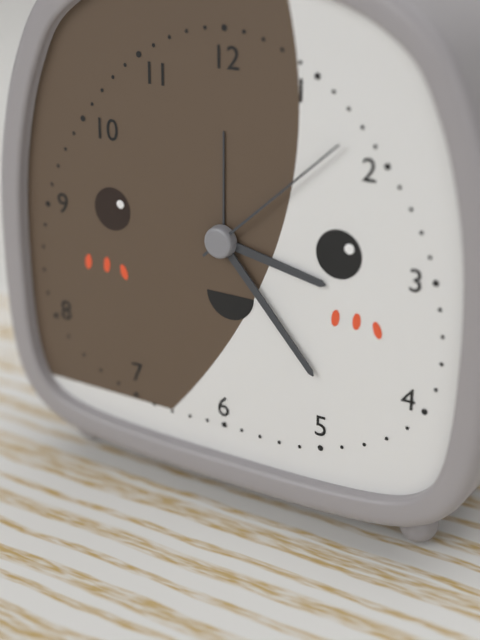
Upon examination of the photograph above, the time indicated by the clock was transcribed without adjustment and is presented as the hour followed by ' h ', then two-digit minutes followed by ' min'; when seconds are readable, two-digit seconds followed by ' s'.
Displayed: 3 h 23 min 08 s
